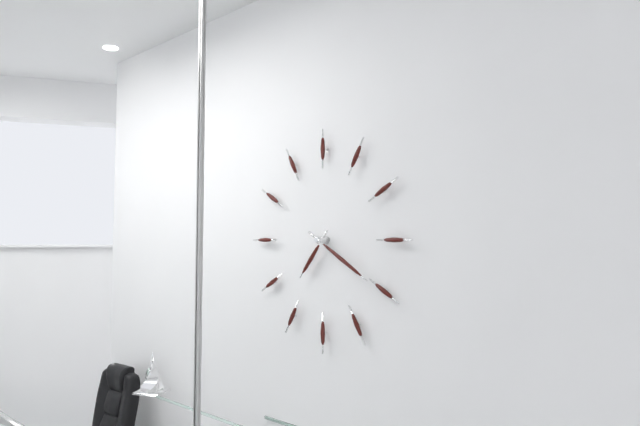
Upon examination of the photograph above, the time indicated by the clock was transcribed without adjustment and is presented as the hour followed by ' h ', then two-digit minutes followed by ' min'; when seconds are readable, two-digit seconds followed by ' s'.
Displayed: 7 h 20 min
